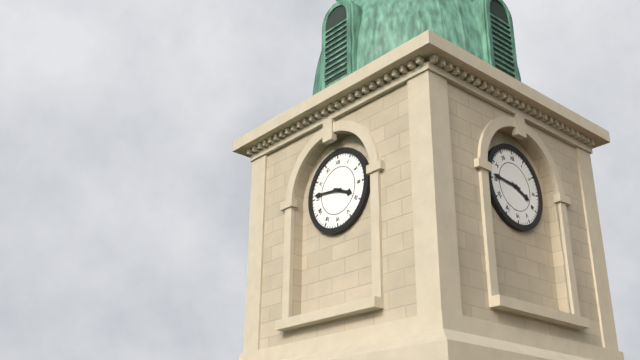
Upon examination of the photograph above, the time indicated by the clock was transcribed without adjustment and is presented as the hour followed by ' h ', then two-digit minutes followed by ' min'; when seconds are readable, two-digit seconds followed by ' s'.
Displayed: 3 h 46 min
